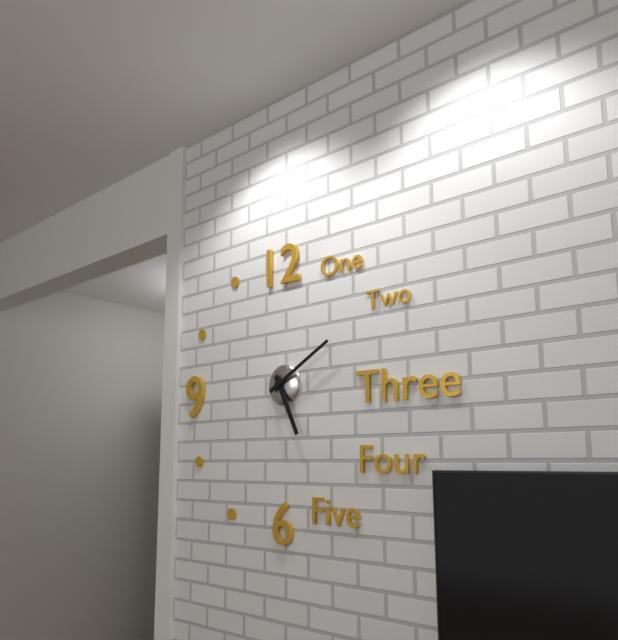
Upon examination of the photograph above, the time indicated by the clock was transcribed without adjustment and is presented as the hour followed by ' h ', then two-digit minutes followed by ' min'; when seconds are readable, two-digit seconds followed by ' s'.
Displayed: 5 h 10 min
